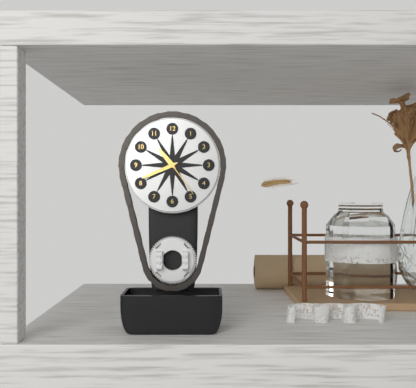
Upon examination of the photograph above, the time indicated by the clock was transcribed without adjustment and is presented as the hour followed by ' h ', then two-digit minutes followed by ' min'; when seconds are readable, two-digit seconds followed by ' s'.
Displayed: 10 h 41 min
